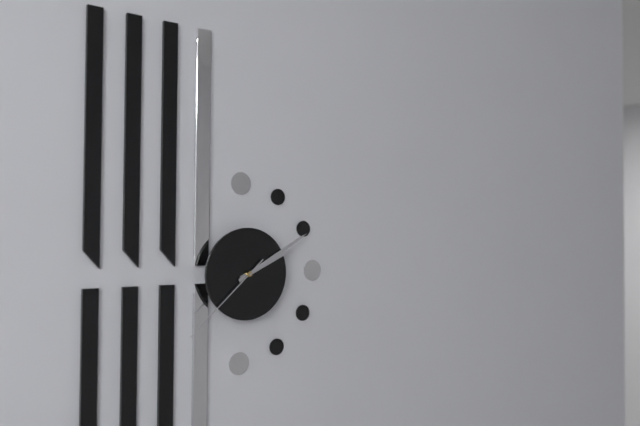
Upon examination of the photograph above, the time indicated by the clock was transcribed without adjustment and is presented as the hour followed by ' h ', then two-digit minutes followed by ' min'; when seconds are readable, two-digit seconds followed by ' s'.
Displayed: 2 h 10 min 38 s
